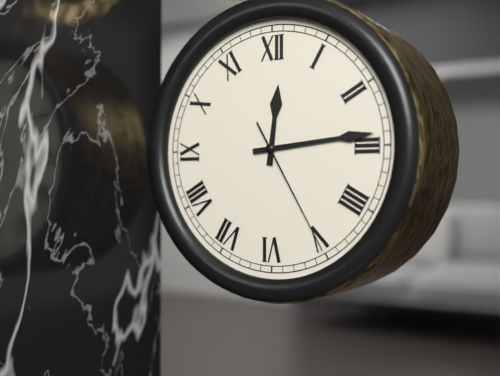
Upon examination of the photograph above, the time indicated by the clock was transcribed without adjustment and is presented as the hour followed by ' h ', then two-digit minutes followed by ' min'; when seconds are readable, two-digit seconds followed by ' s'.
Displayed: 12 h 14 min 25 s
